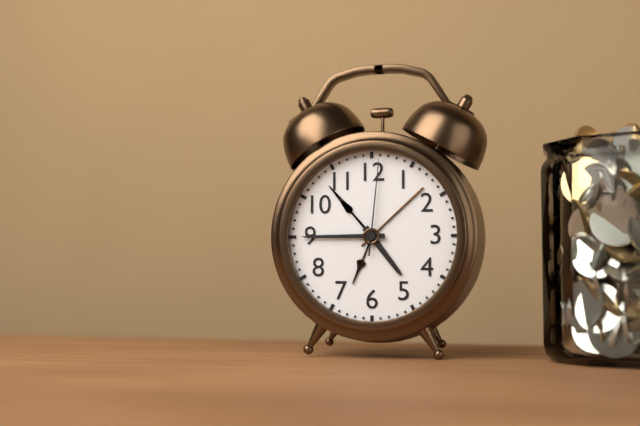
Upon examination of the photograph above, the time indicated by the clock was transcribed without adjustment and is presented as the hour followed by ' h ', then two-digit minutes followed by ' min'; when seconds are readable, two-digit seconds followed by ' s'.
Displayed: 4 h 45 min 01 s
